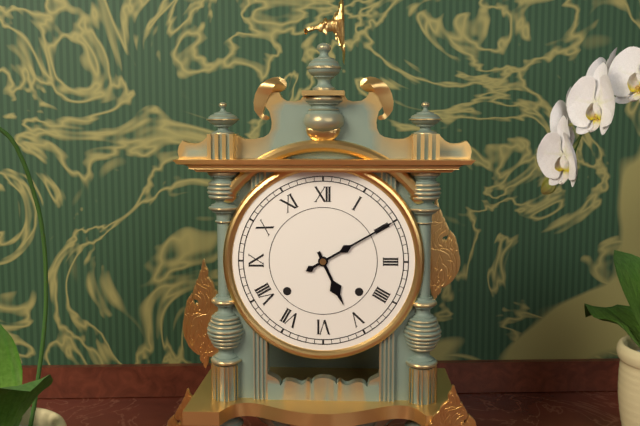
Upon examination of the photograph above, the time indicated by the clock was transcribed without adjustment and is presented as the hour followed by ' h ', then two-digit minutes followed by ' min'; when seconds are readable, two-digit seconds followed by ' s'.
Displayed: 5 h 10 min
